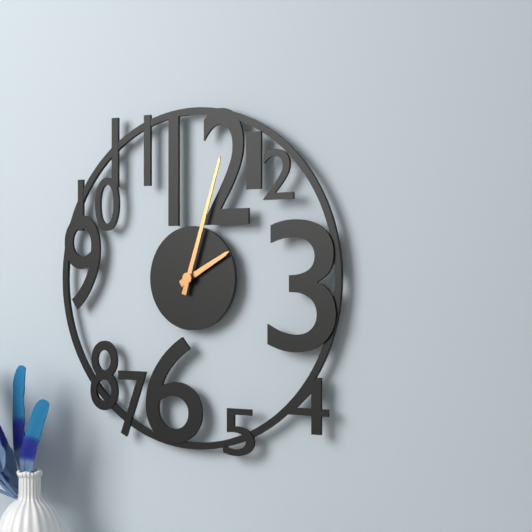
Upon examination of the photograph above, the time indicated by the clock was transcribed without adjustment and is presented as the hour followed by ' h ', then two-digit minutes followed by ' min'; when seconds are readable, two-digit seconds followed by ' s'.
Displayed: 2 h 03 min
